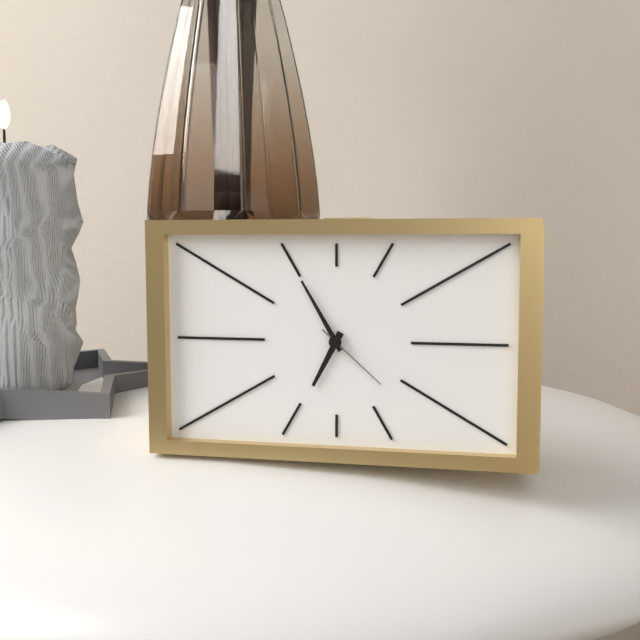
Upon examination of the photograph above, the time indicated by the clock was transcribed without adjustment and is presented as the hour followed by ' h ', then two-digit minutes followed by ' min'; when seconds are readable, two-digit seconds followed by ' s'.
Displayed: 6 h 55 min 22 s
